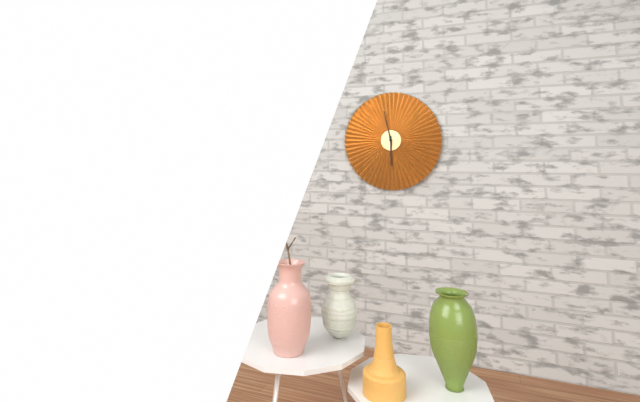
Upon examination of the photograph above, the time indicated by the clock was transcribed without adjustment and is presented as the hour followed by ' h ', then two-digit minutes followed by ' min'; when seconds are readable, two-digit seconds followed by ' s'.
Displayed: 5 h 58 min
